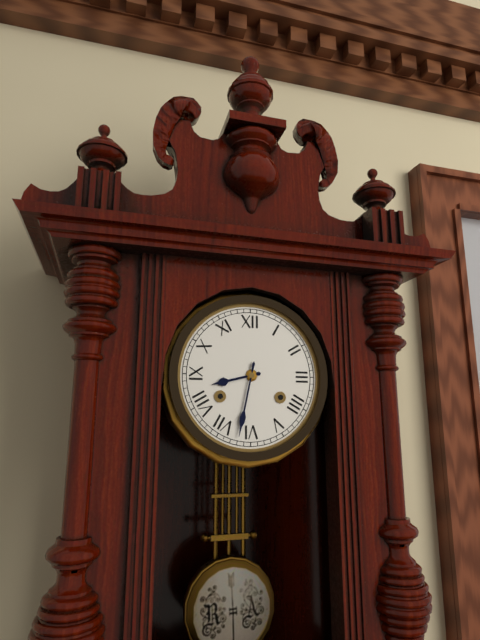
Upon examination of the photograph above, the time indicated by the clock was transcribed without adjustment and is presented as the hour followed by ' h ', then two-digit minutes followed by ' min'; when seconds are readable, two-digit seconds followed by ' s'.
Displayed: 8 h 32 min
